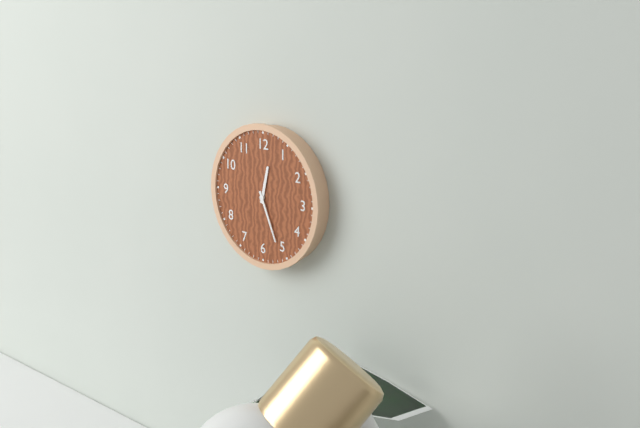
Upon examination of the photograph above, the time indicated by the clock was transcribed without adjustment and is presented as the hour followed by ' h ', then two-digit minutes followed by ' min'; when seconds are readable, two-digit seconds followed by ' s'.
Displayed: 12 h 26 min
